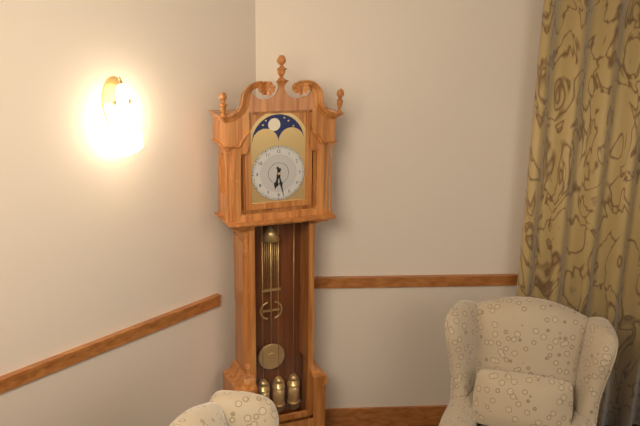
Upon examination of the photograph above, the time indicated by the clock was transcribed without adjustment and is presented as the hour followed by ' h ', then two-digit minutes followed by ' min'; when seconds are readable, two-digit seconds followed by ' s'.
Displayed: 6 h 28 min
